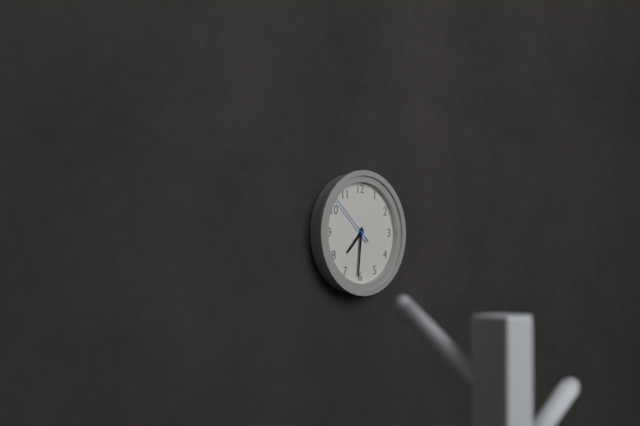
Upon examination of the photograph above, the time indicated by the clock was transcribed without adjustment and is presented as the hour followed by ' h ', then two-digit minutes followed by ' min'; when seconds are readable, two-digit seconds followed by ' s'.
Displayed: 7 h 31 min 52 s
